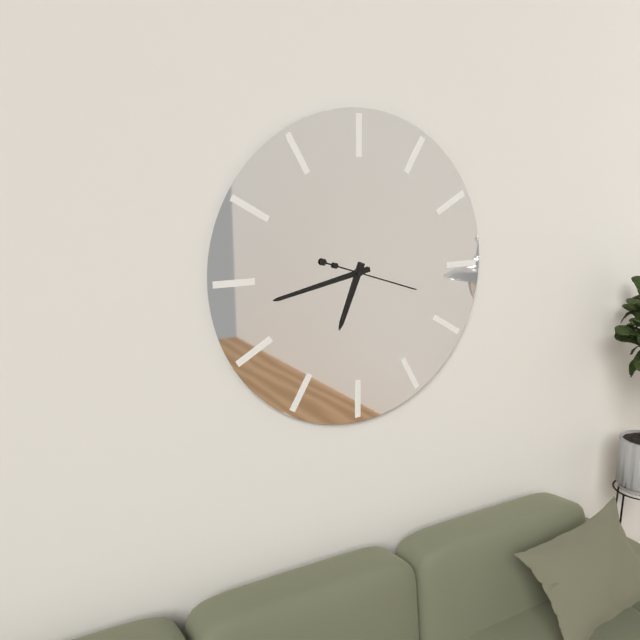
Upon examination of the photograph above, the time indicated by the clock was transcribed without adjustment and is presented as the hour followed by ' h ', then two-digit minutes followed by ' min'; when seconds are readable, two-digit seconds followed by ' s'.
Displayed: 6 h 43 min 18 s
